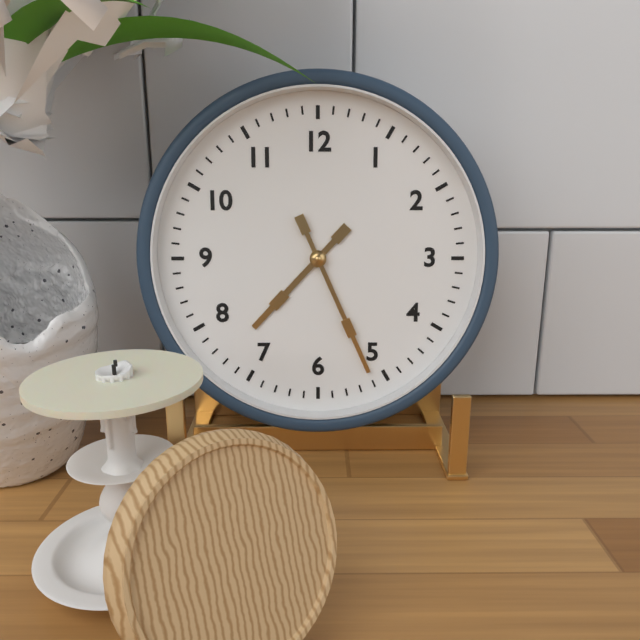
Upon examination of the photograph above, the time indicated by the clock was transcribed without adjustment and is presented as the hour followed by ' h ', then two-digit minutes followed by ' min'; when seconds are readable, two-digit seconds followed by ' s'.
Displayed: 7 h 26 min
